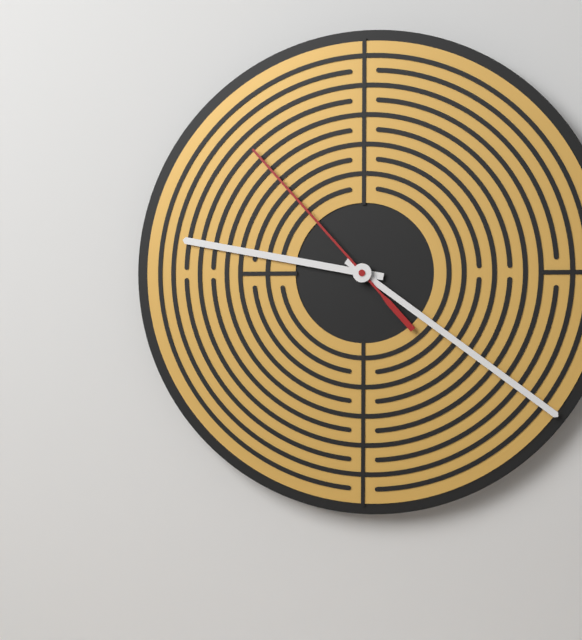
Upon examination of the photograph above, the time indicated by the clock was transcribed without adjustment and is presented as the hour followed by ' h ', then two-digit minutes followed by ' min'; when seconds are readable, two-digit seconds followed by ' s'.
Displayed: 9 h 21 min 53 s
